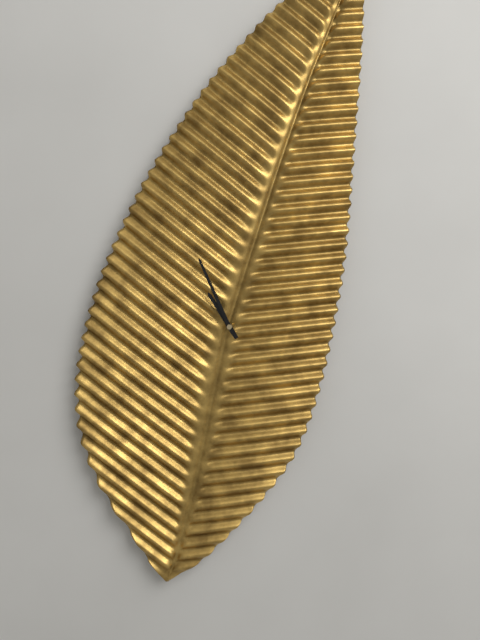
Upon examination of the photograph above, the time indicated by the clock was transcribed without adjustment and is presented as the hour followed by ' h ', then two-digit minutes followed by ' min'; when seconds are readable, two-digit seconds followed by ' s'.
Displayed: 10 h 56 min
